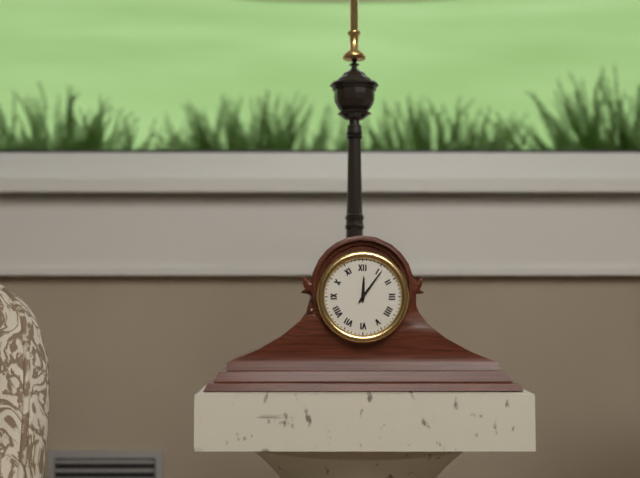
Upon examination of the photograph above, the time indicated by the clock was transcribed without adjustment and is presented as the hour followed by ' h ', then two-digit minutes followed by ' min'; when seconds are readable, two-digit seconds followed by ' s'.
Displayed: 12 h 06 min
